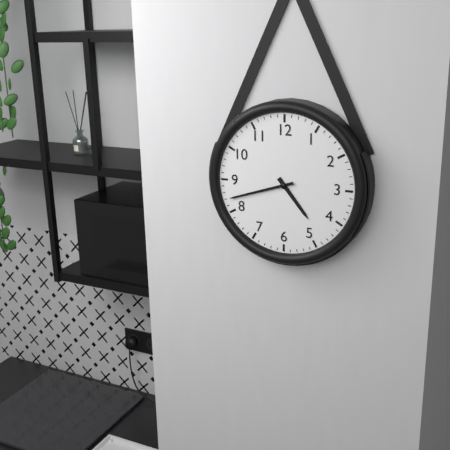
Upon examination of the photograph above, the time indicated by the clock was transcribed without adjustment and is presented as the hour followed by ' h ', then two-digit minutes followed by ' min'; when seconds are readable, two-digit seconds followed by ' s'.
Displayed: 4 h 42 min
